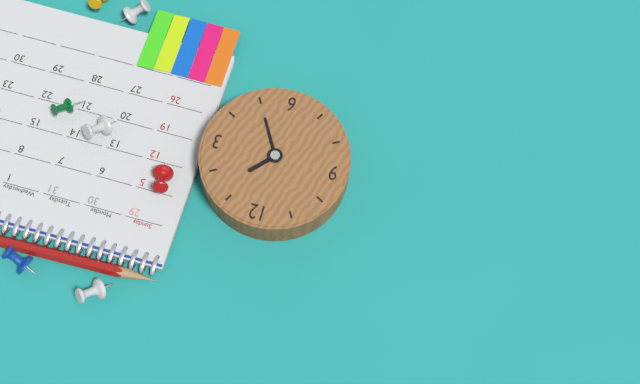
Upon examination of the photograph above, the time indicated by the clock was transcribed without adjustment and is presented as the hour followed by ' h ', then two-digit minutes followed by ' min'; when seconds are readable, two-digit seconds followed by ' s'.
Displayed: 1 h 25 min
